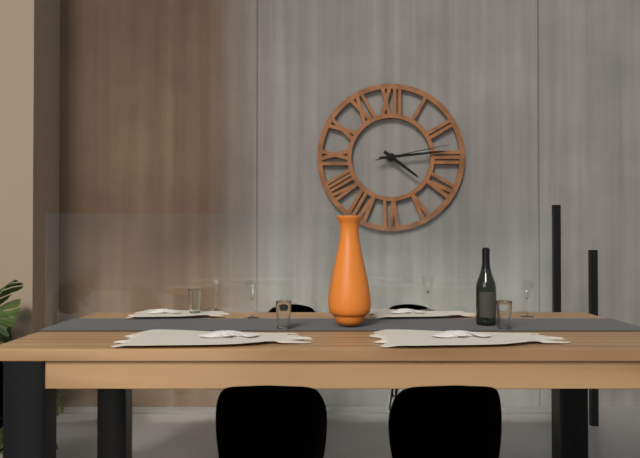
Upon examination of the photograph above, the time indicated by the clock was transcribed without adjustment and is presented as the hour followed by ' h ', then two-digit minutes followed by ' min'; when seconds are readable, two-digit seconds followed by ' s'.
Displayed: 4 h 14 min 13 s
